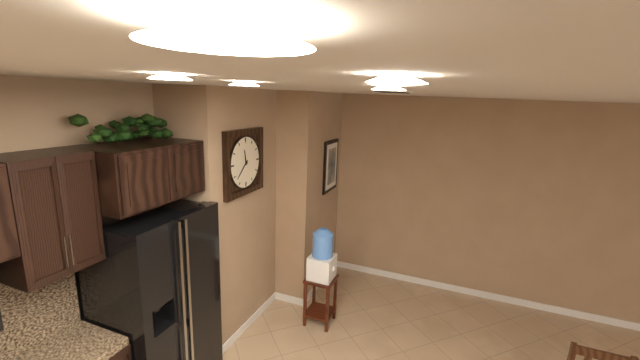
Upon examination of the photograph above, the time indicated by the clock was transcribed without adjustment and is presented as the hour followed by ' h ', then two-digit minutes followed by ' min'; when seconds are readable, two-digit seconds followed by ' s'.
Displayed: 11 h 38 min
